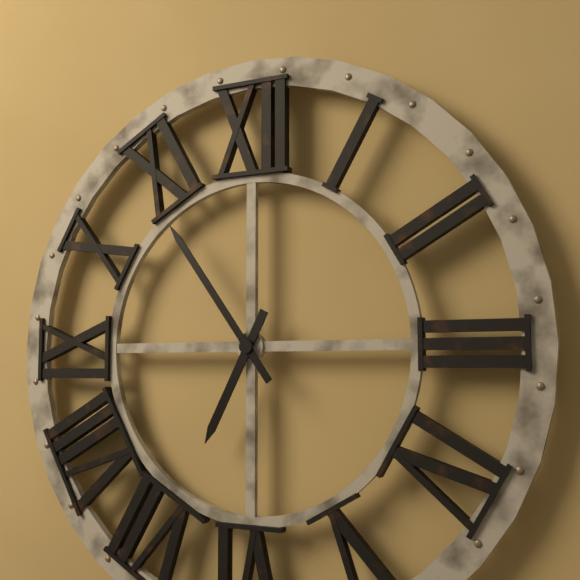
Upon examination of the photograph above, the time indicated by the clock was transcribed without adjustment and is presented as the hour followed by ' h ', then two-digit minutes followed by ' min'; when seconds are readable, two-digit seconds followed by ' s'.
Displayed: 6 h 54 min
